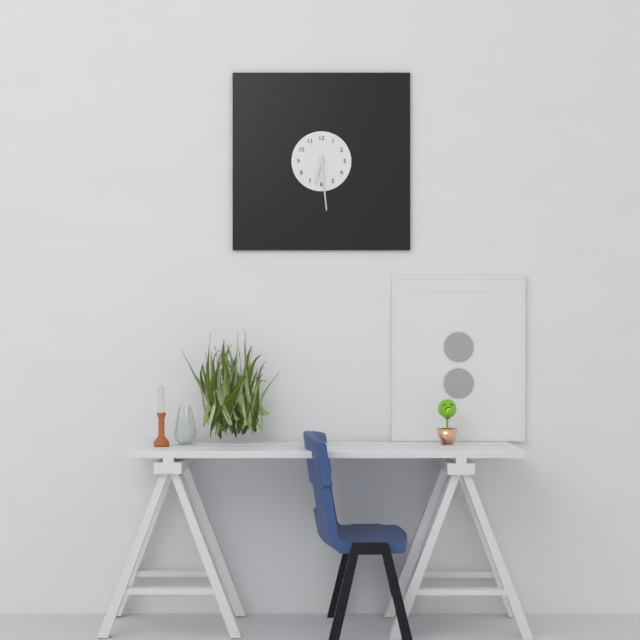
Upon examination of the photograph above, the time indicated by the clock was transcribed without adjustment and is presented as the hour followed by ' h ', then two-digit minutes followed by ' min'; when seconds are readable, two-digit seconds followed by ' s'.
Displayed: 6 h 29 min
